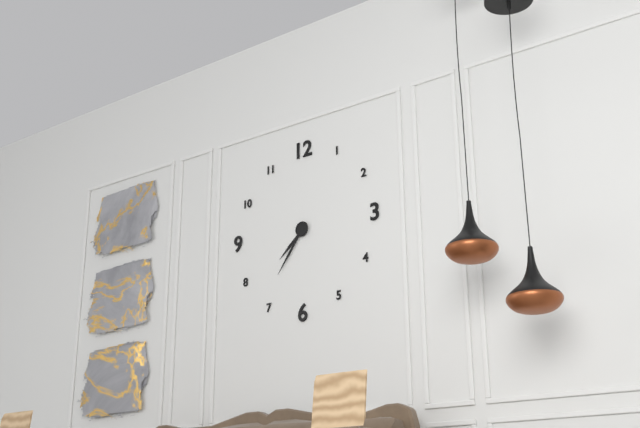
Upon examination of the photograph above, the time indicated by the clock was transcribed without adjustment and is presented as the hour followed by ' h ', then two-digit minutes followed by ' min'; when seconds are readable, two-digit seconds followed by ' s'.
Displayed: 7 h 36 min
